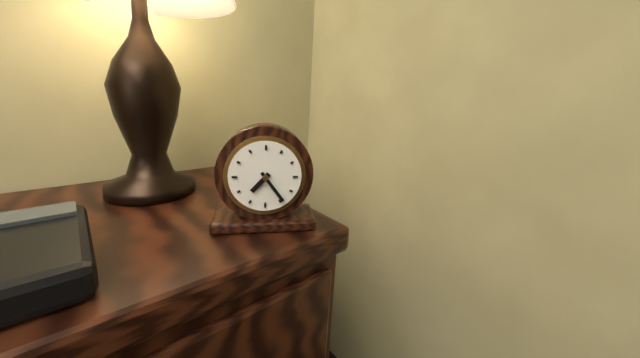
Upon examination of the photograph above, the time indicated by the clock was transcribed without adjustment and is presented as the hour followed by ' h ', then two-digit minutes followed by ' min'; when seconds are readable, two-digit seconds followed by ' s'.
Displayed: 7 h 24 min
